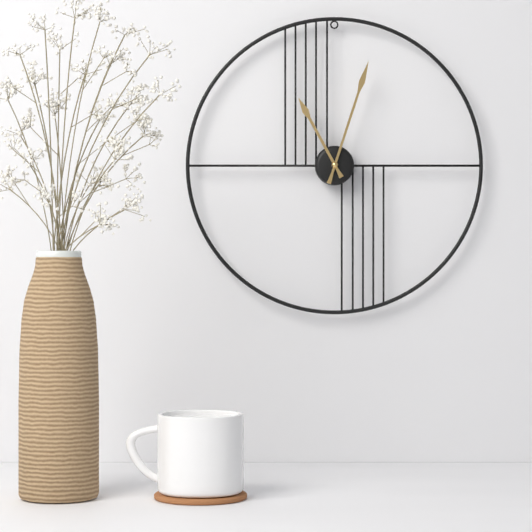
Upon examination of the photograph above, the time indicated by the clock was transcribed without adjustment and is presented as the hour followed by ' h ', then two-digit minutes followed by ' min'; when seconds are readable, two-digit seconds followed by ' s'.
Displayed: 11 h 03 min
